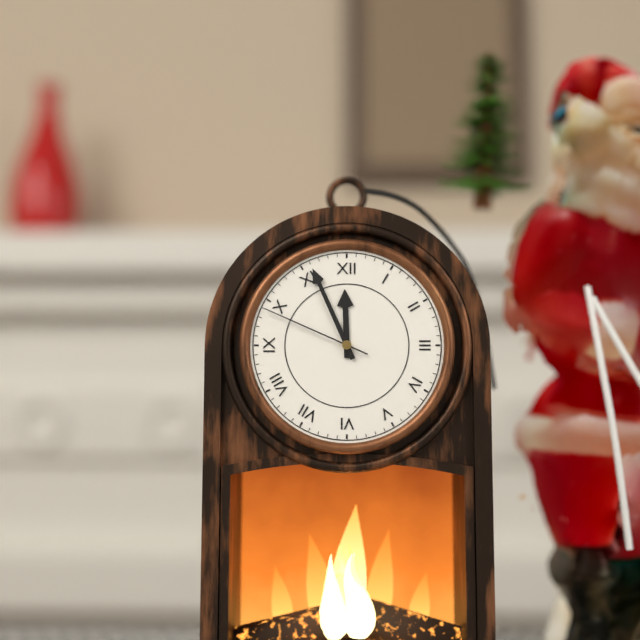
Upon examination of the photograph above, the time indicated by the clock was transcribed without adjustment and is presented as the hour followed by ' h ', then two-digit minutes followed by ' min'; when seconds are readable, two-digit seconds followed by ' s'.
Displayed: 11 h 56 min 49 s
